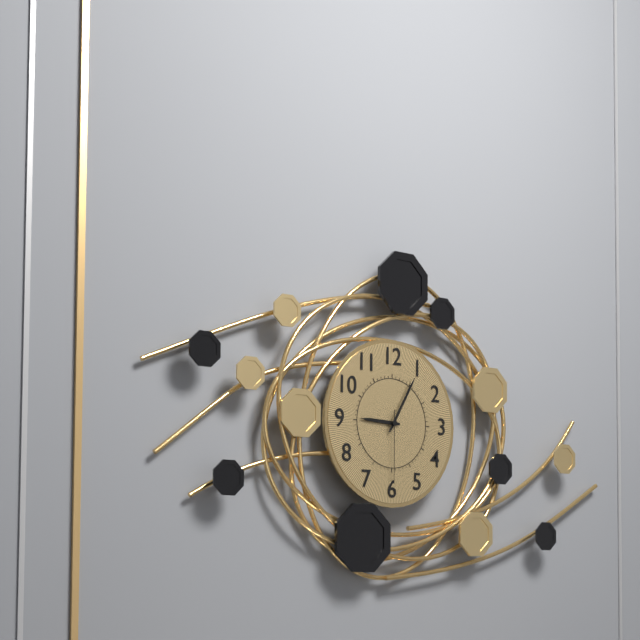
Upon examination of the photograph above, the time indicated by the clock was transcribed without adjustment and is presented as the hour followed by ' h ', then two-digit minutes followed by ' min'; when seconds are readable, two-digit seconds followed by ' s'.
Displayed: 9 h 05 min 30 s
